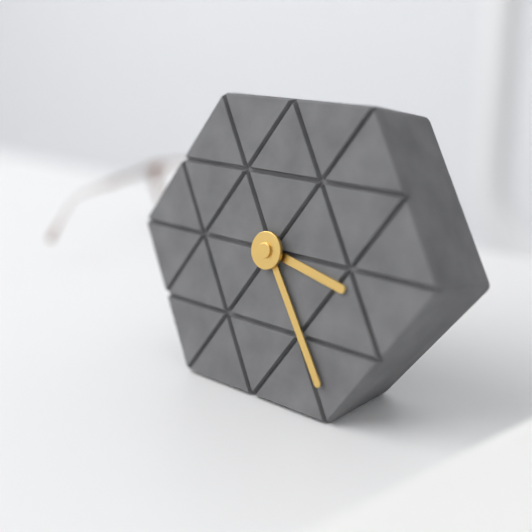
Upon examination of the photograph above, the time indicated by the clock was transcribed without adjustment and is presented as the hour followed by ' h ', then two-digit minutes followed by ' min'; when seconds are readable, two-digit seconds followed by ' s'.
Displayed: 3 h 24 min
